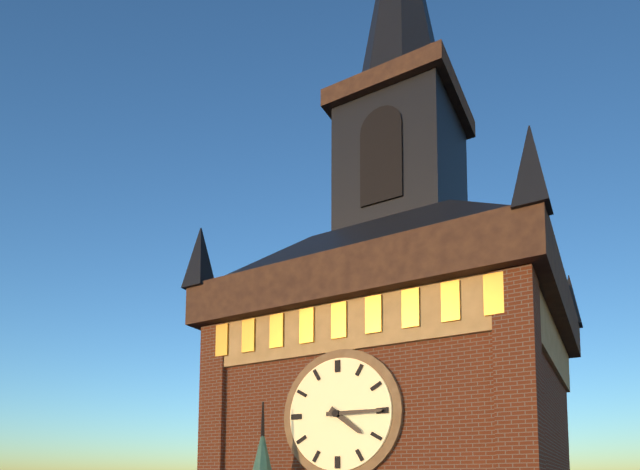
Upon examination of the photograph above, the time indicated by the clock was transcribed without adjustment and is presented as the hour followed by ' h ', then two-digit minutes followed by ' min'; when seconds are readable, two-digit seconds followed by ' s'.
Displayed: 4 h 15 min
